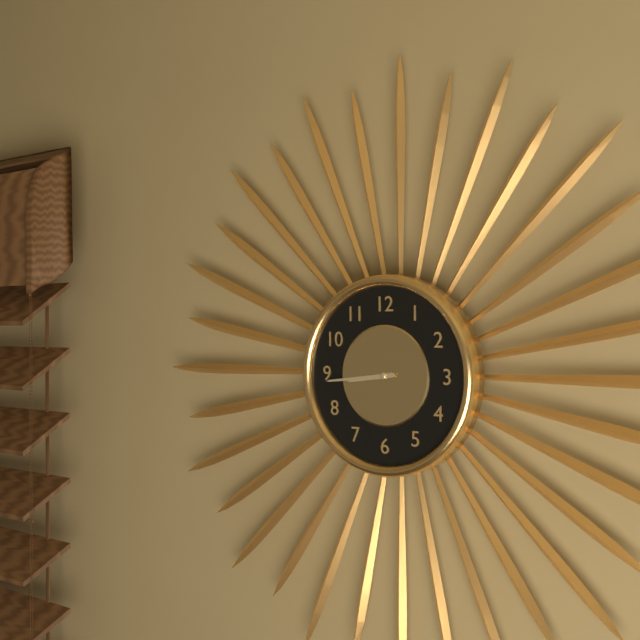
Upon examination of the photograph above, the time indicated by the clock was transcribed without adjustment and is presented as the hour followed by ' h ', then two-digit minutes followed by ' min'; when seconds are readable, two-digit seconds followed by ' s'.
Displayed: 8 h 44 min
